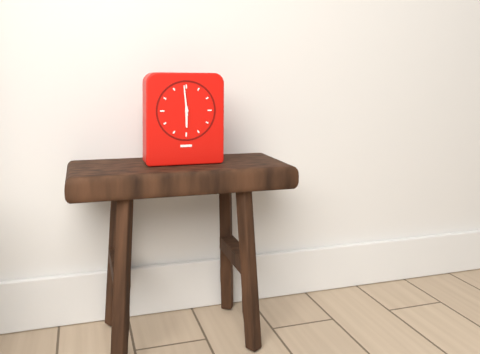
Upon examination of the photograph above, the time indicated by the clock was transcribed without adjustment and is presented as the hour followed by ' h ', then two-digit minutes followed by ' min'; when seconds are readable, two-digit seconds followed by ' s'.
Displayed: 5 h 59 min
